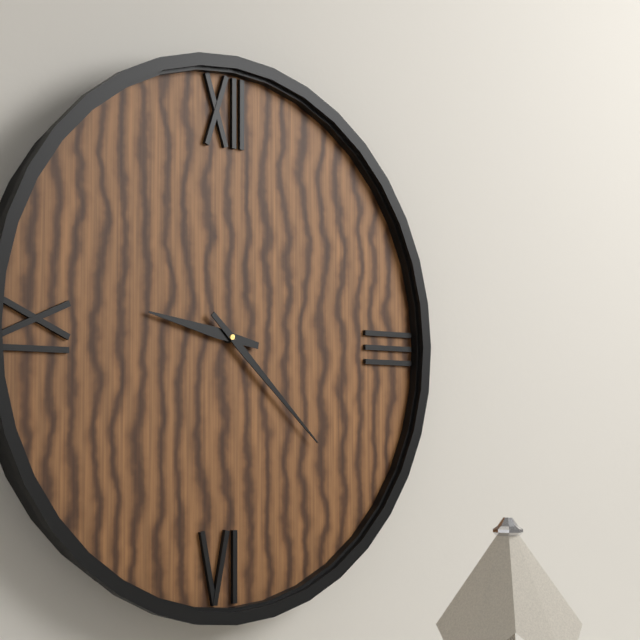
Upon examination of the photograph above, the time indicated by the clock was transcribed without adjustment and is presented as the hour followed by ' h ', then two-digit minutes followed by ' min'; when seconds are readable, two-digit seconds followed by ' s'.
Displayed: 9 h 22 min
